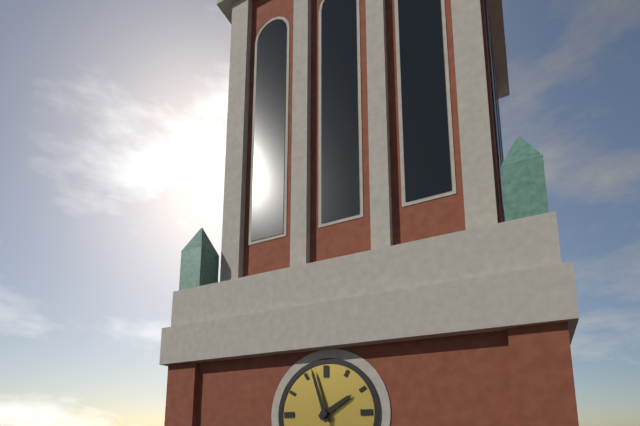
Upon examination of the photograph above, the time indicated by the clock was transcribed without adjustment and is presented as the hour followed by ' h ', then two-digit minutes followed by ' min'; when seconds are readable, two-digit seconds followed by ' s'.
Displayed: 1 h 57 min
